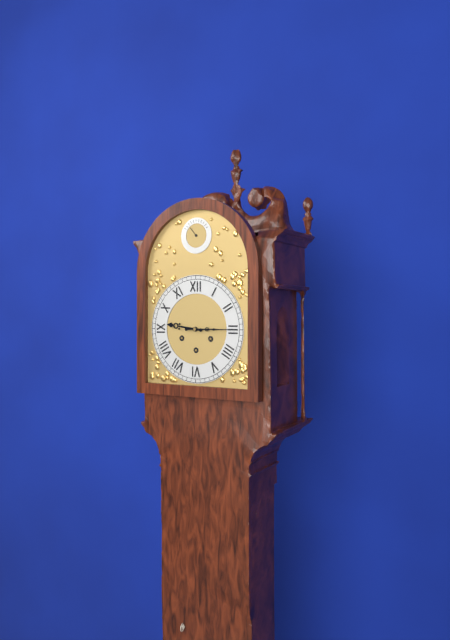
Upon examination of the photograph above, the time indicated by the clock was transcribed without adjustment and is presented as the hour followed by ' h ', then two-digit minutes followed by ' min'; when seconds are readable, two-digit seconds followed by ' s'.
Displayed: 9 h 15 min
